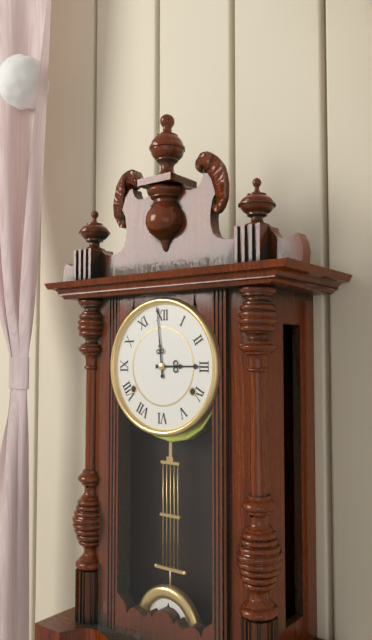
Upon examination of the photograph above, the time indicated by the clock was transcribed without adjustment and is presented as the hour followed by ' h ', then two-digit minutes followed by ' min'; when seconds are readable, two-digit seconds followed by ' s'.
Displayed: 2 h 59 min
